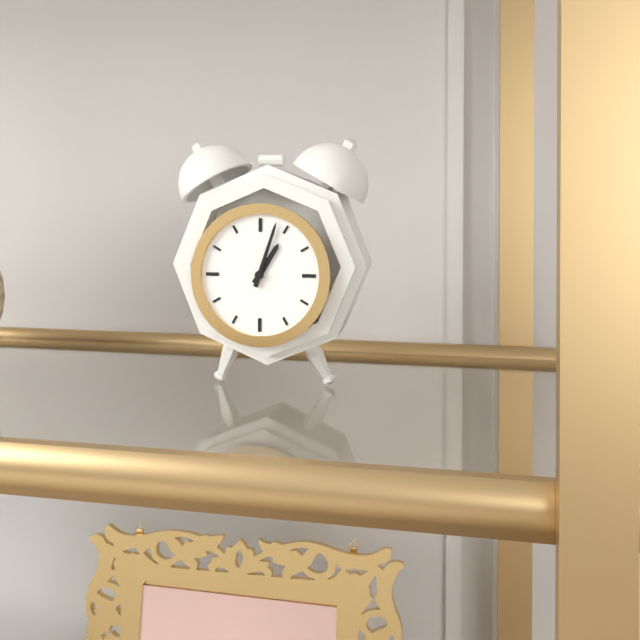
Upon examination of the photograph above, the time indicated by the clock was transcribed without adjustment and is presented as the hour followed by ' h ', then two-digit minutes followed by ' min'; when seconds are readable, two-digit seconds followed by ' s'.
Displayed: 1 h 03 min
